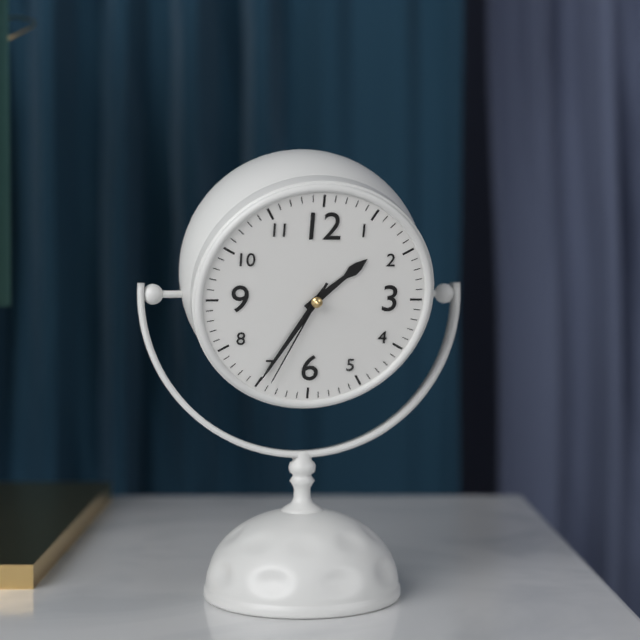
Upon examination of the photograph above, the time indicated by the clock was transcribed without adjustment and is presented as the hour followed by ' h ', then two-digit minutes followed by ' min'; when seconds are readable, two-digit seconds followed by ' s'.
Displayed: 1 h 35 min 34 s
